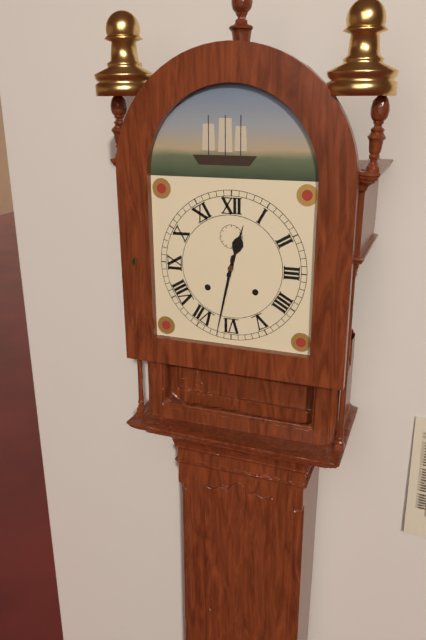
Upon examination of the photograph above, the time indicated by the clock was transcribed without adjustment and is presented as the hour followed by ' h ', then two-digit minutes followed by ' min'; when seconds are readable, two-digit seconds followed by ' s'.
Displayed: 12 h 32 min
